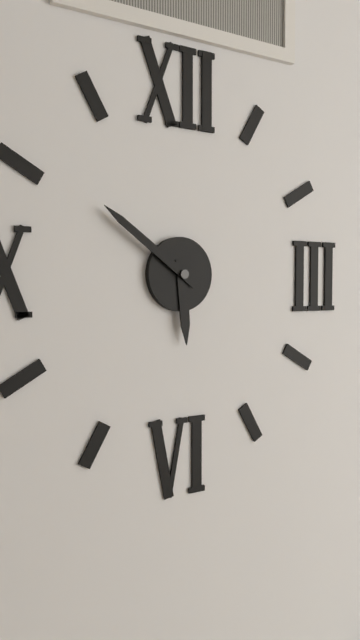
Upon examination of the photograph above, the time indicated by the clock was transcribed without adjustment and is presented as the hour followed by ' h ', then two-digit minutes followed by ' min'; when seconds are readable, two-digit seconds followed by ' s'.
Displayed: 5 h 51 min
